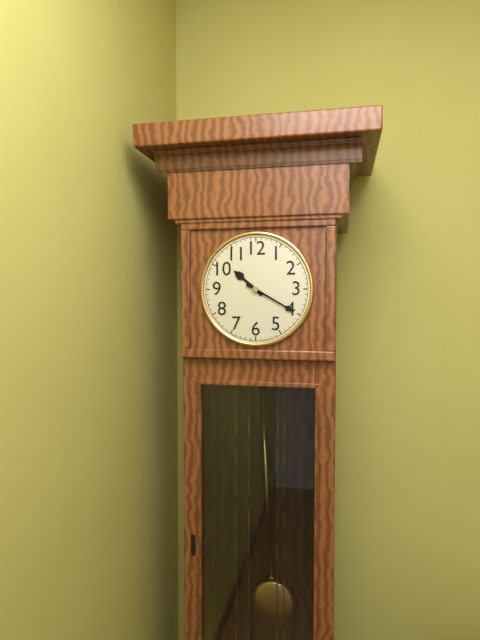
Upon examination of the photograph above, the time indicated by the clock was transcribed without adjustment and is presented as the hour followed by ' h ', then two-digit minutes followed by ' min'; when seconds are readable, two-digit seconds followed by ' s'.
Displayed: 10 h 20 min
